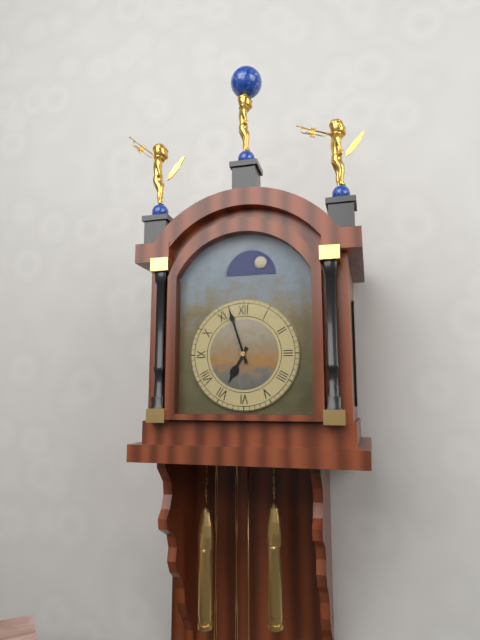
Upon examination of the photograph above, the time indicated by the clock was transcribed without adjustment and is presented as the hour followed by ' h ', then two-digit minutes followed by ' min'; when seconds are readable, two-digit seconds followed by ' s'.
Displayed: 6 h 57 min
